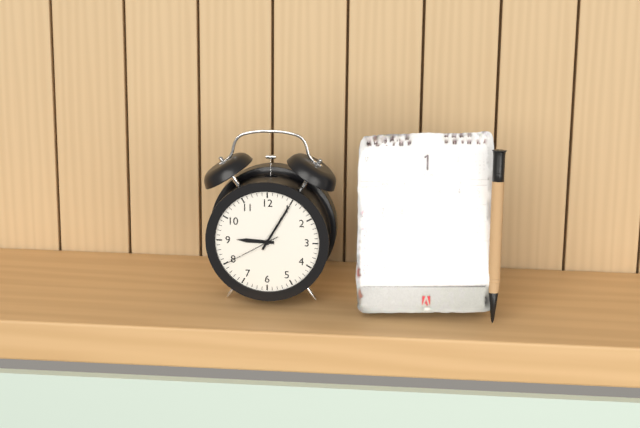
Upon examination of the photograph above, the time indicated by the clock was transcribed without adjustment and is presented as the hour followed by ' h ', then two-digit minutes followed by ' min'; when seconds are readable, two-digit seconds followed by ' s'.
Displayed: 9 h 05 min 40 s
